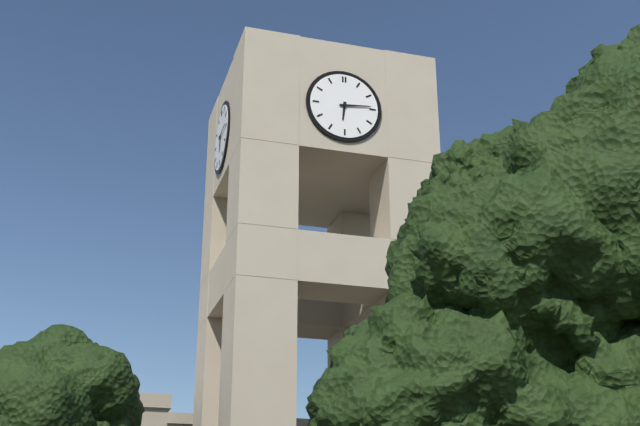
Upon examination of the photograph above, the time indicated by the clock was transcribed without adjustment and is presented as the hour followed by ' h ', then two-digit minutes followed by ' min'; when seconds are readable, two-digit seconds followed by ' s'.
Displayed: 6 h 14 min
